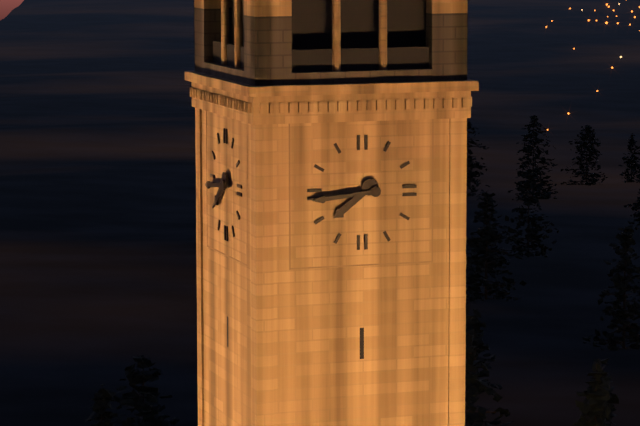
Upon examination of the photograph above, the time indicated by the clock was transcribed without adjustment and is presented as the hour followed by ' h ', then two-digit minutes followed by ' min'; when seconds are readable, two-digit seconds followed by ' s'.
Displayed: 7 h 44 min
